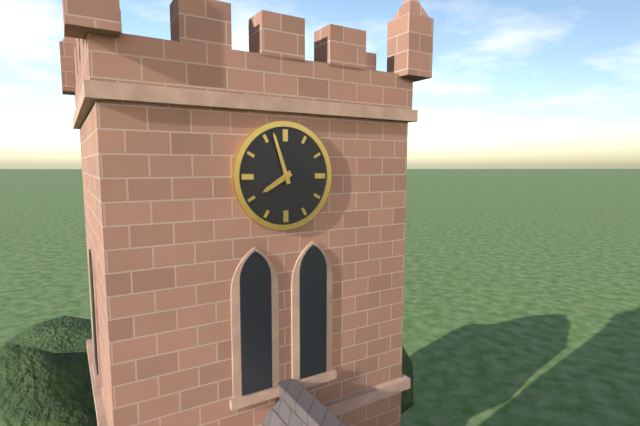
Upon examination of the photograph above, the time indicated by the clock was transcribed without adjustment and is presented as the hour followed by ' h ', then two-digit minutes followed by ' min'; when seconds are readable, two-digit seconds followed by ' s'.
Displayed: 7 h 57 min
